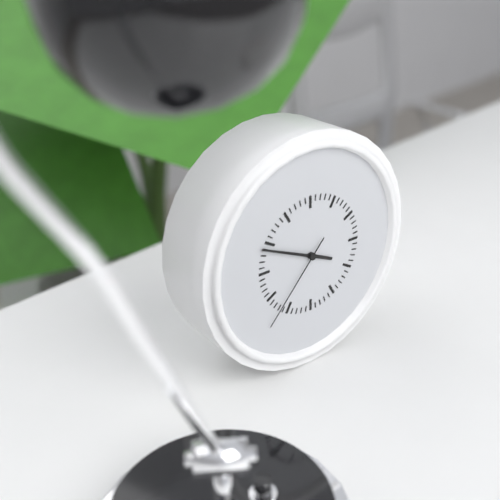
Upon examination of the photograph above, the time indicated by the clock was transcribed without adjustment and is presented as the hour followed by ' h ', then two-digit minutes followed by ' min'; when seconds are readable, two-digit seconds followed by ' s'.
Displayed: 3 h 49 min 37 s
